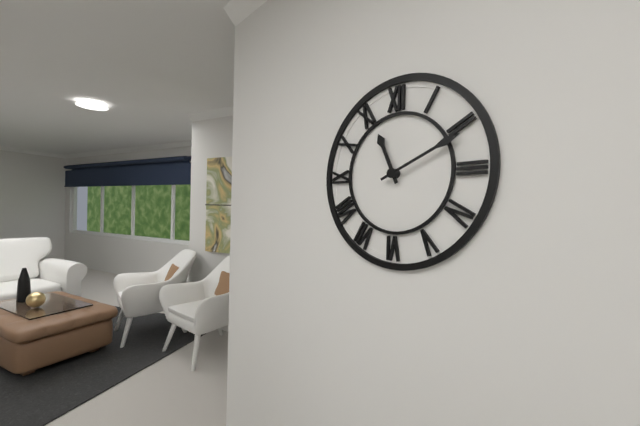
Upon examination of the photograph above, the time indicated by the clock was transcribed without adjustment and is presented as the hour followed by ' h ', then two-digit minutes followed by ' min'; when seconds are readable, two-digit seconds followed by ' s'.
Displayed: 11 h 11 min
